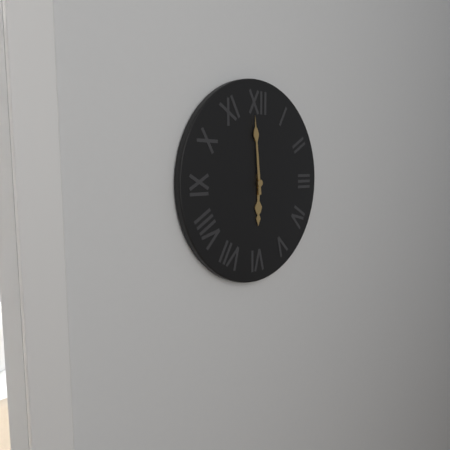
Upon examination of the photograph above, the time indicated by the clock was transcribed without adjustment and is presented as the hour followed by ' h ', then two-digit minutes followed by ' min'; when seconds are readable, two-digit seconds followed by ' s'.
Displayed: 5 h 59 min
